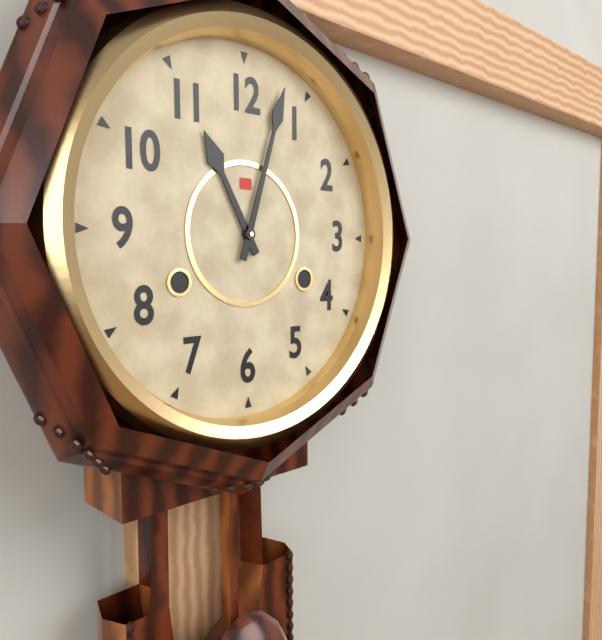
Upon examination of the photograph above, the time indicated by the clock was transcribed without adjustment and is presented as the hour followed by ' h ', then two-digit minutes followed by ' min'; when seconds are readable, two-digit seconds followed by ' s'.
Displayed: 11 h 03 min
